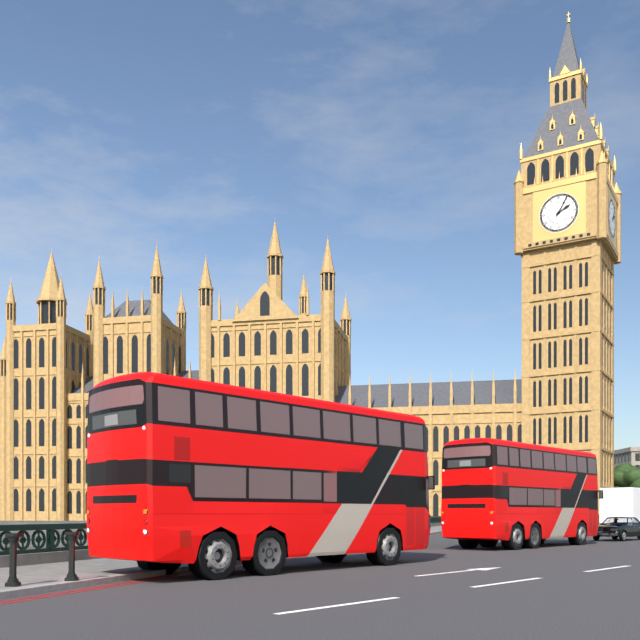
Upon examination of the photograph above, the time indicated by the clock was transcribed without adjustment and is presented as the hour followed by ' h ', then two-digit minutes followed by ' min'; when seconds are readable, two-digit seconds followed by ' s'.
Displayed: 2 h 05 min
